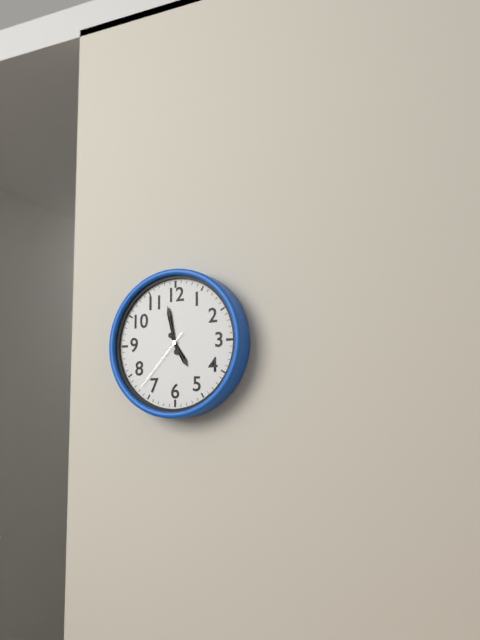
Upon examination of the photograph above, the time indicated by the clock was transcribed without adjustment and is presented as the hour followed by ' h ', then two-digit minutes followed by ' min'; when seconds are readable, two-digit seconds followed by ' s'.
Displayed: 4 h 58 min 37 s
